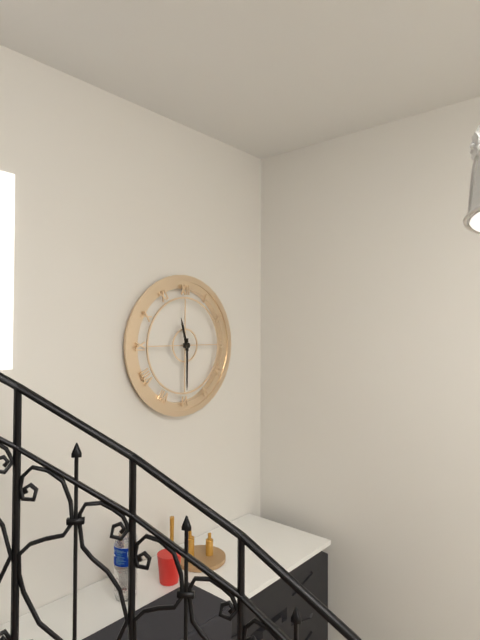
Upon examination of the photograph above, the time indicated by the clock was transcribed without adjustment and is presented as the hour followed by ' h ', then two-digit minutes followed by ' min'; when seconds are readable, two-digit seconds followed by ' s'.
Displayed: 11 h 30 min
